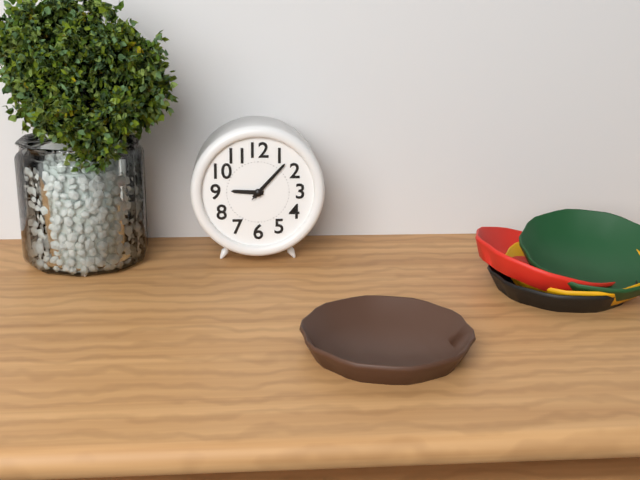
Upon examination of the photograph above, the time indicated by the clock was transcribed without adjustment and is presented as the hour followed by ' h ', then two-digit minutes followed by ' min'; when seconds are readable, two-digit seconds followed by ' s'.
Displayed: 9 h 07 min
